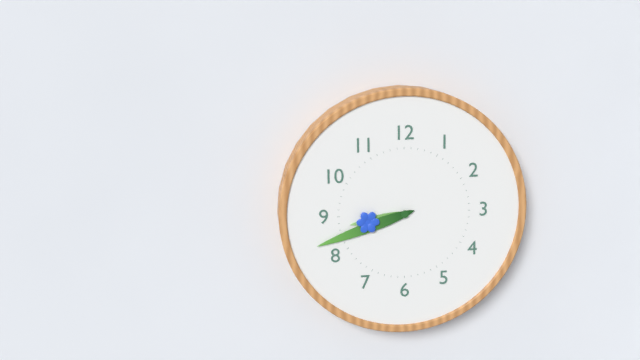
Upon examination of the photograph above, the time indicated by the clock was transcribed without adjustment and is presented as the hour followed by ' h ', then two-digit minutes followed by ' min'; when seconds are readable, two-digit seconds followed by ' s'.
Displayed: 8 h 42 min
